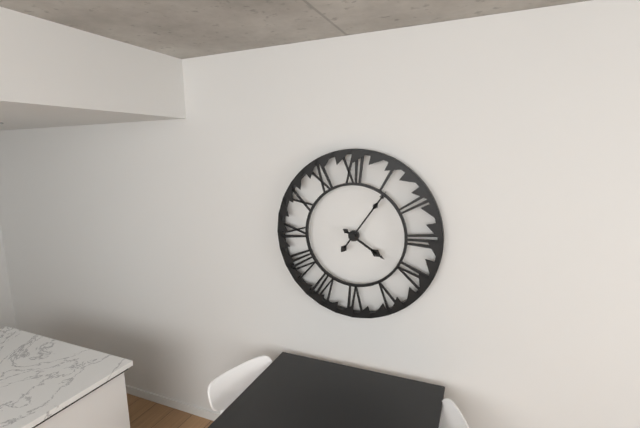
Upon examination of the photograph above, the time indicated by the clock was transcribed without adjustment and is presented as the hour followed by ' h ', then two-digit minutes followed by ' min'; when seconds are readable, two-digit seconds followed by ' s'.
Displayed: 4 h 06 min
